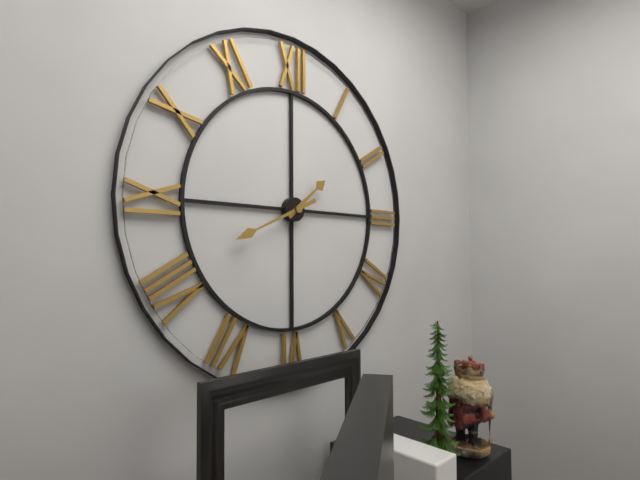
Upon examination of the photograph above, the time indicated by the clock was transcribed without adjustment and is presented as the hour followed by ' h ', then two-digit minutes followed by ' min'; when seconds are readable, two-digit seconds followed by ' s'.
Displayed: 1 h 41 min
